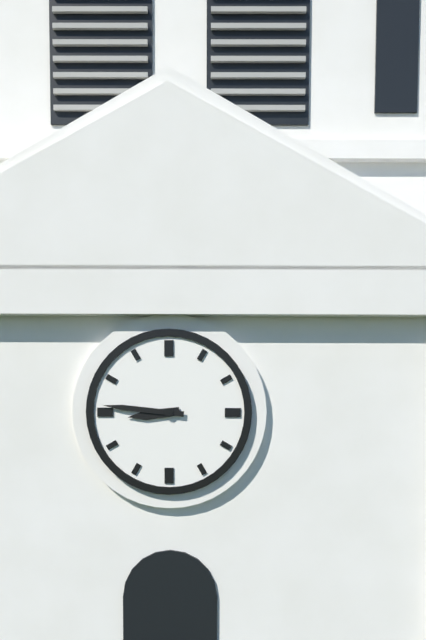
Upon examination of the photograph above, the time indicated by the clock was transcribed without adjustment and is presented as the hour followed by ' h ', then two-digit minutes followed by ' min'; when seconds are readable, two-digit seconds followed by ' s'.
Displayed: 8 h 46 min
